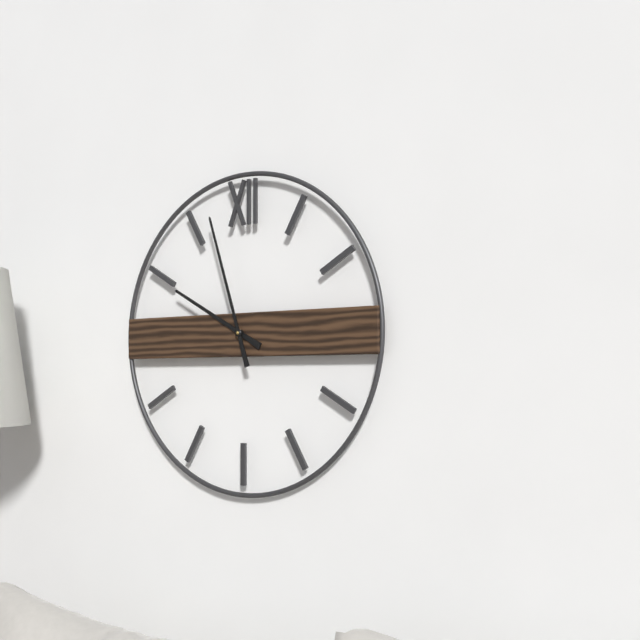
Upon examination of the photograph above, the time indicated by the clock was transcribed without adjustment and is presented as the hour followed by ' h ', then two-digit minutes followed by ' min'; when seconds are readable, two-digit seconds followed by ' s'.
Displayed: 9 h 57 min
